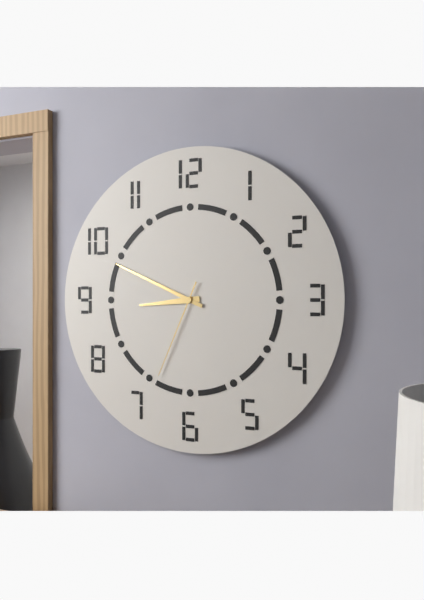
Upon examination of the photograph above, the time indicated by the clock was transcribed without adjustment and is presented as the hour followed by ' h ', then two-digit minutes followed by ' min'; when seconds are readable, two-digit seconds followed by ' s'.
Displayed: 8 h 49 min 34 s
